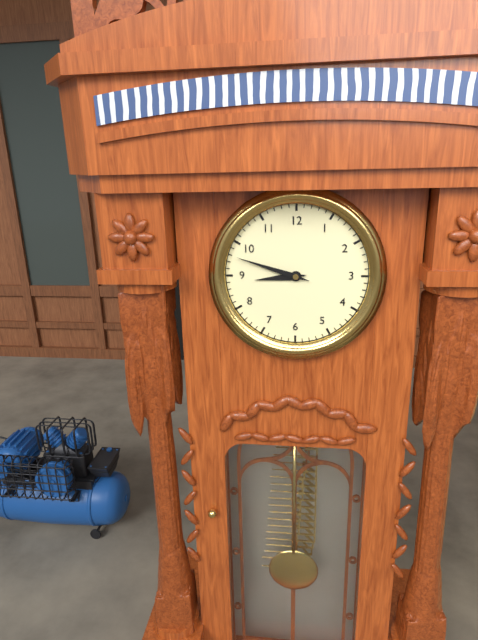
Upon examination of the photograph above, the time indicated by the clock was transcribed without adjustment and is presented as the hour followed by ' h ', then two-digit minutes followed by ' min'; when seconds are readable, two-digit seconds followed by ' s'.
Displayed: 8 h 48 min
